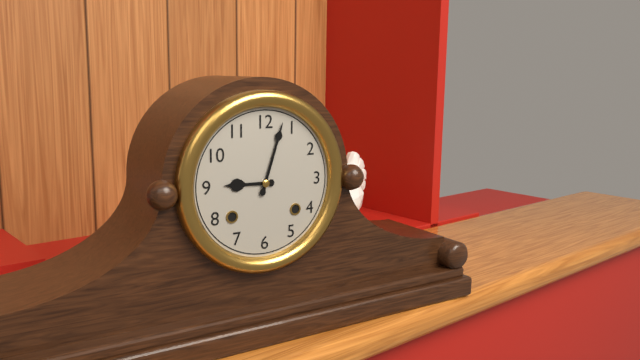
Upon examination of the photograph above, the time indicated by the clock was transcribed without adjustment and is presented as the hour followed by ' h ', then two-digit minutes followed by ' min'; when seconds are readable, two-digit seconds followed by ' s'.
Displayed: 9 h 03 min
